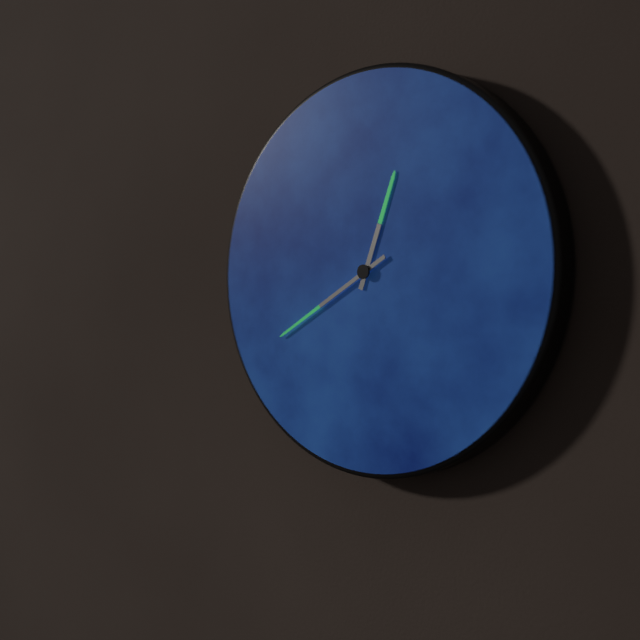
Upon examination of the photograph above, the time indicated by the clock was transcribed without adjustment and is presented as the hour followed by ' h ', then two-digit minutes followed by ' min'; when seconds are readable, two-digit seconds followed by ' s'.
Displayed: 12 h 40 min
